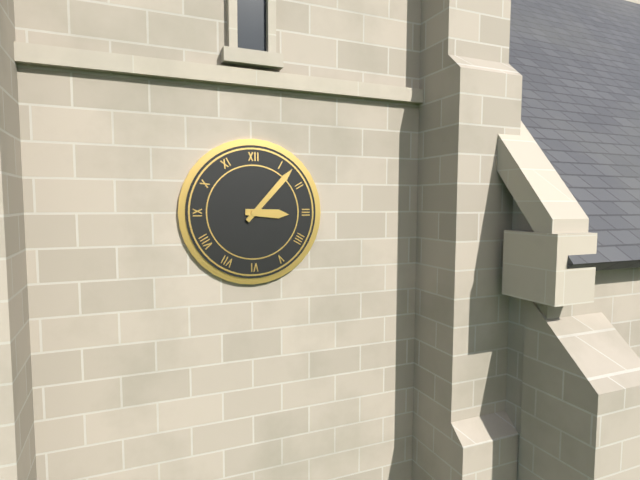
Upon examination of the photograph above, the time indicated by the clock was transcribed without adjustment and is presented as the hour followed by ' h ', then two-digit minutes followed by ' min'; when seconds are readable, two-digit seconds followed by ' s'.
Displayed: 3 h 07 min
